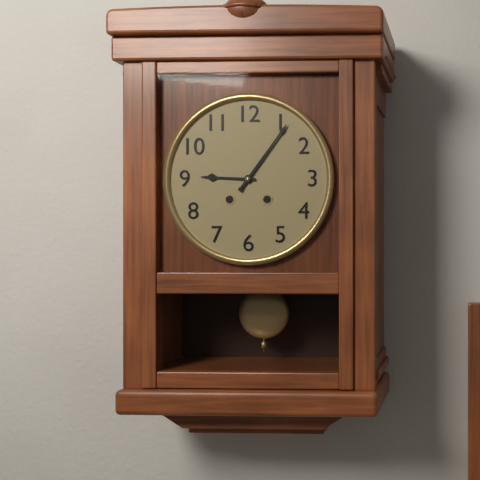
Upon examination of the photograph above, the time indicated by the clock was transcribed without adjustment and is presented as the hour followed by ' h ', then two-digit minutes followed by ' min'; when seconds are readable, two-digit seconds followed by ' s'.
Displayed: 9 h 06 min
